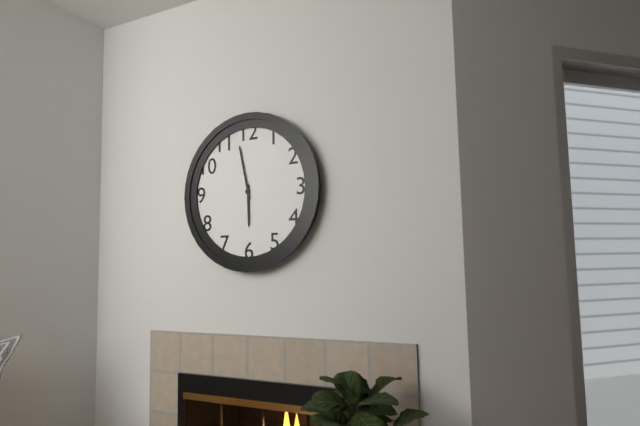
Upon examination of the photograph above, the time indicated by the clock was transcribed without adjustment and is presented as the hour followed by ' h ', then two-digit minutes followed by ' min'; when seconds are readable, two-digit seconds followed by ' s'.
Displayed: 5 h 58 min
